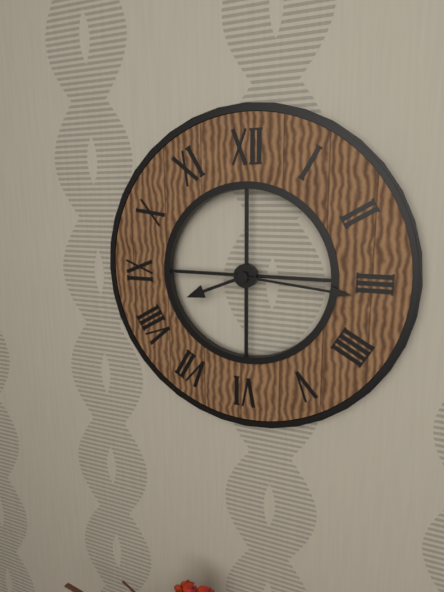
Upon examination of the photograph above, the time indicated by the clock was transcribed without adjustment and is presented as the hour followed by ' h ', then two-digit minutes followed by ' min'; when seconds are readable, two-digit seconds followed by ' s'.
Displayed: 8 h 16 min
